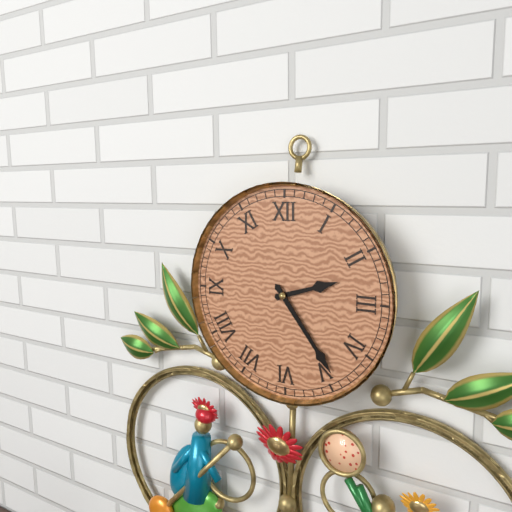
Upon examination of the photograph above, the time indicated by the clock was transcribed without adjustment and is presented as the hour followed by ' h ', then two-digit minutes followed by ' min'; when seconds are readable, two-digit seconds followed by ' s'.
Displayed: 2 h 24 min
